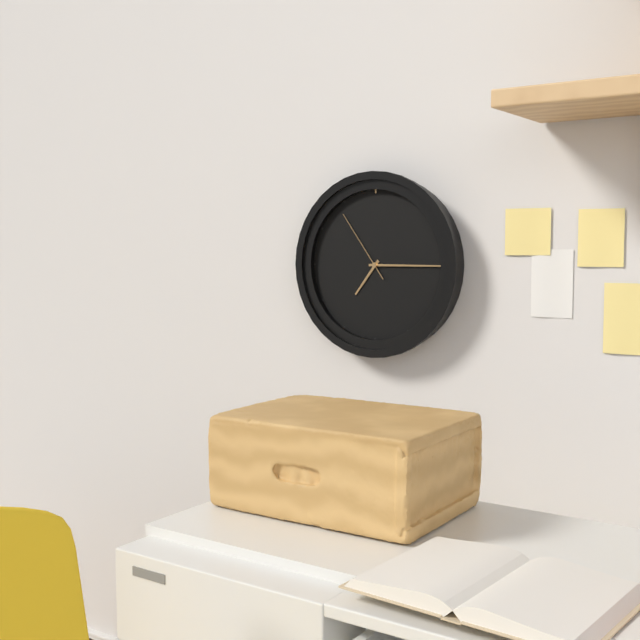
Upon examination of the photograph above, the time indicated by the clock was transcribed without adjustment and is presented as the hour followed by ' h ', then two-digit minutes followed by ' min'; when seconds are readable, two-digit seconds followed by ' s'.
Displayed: 7 h 15 min 54 s
